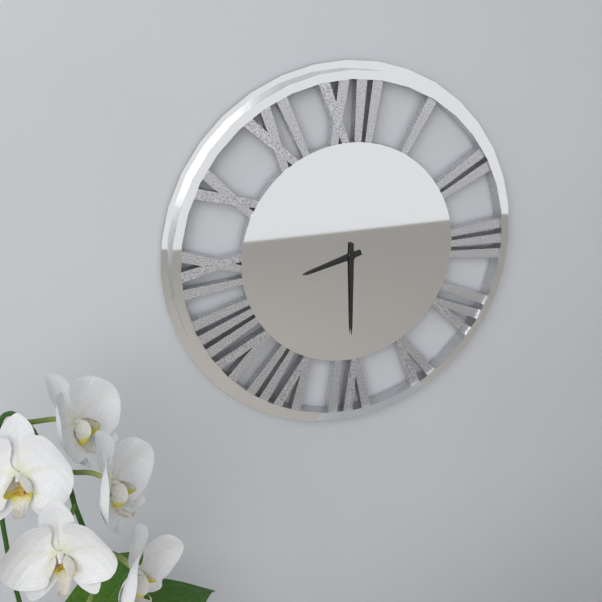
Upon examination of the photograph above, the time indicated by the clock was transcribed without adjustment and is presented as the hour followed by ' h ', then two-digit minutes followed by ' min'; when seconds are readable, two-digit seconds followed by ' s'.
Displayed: 8 h 30 min
